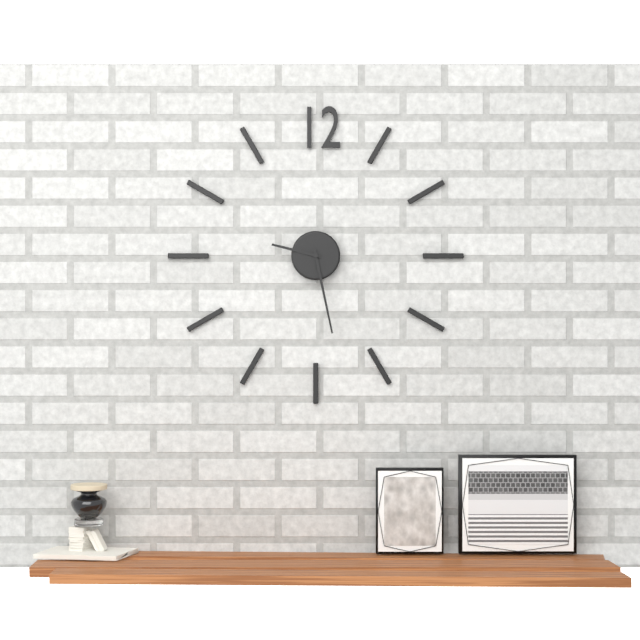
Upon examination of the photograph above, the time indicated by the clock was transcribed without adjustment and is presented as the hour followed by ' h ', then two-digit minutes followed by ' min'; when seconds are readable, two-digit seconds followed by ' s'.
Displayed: 9 h 28 min
